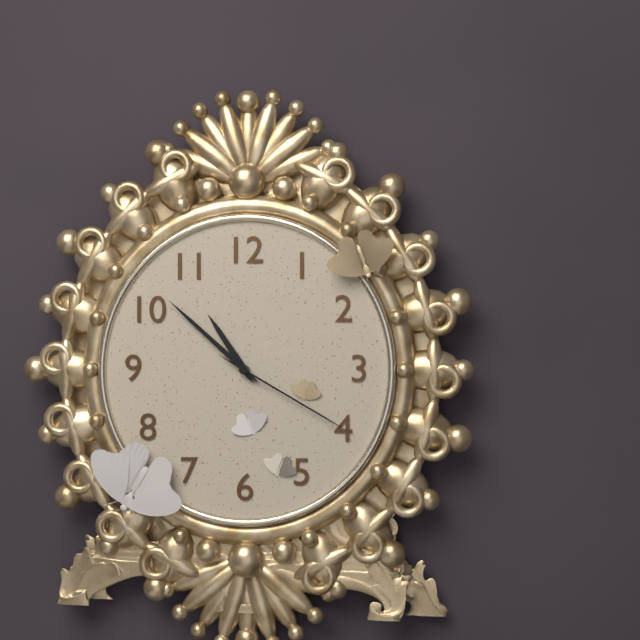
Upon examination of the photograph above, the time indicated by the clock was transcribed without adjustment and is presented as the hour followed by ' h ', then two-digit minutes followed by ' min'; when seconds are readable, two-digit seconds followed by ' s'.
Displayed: 10 h 52 min 20 s
